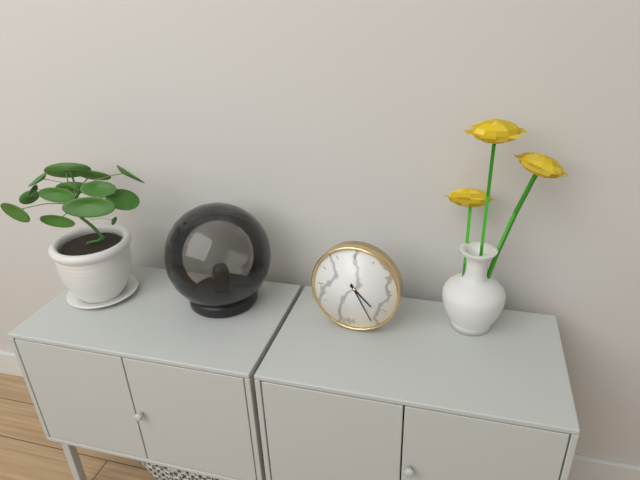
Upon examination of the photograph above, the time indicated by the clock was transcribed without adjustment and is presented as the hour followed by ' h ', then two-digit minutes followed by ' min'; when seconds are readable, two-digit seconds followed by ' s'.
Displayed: 4 h 25 min
